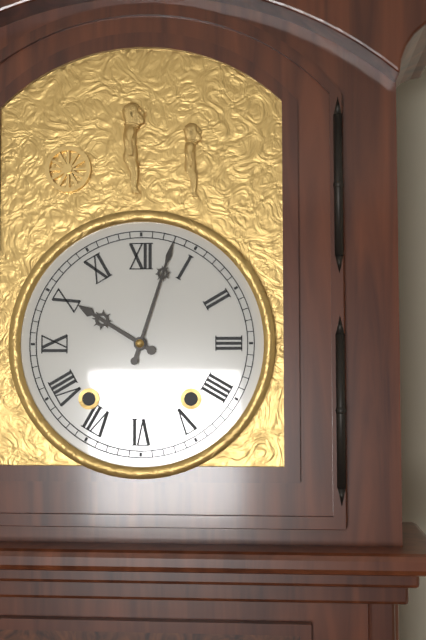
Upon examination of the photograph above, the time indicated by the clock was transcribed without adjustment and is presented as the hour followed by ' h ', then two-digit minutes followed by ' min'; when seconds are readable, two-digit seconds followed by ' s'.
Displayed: 10 h 03 min
